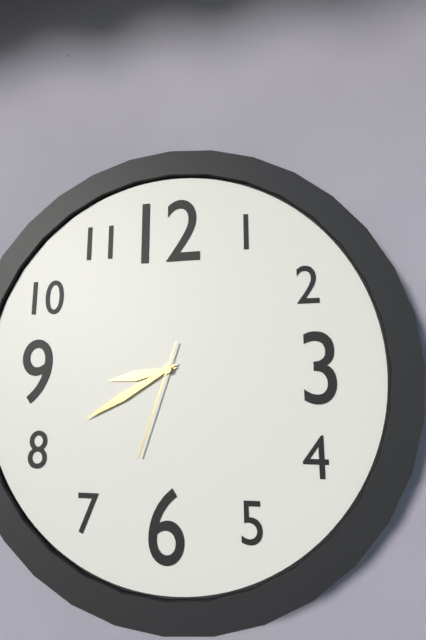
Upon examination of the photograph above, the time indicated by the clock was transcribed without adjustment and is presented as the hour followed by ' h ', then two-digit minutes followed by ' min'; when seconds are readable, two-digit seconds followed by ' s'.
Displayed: 8 h 40 min 33 s
